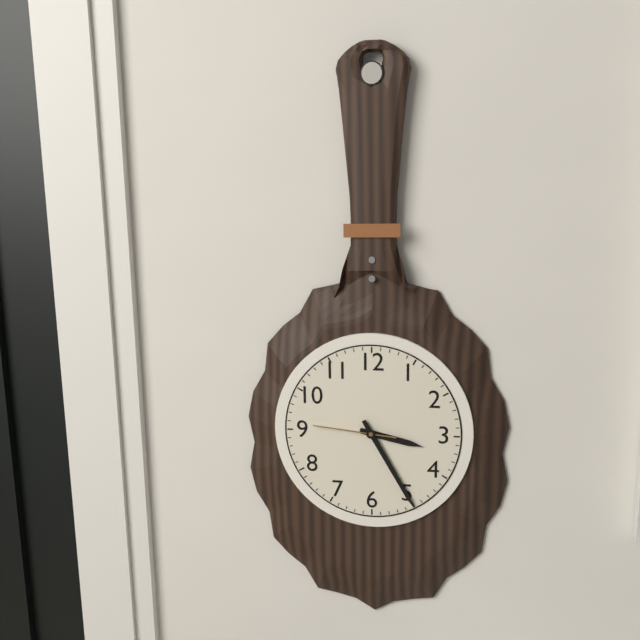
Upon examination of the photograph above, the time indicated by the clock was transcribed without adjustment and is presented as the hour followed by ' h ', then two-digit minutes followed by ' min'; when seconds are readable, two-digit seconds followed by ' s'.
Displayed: 3 h 25 min 46 s
